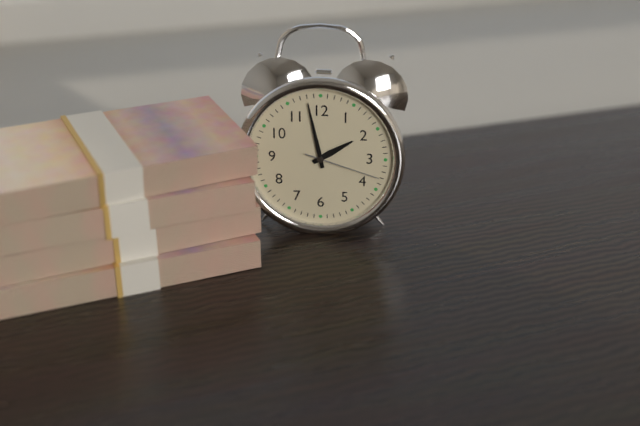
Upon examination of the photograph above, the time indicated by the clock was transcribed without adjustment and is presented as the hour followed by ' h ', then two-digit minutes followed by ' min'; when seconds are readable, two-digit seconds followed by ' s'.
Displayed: 1 h 58 min 18 s
